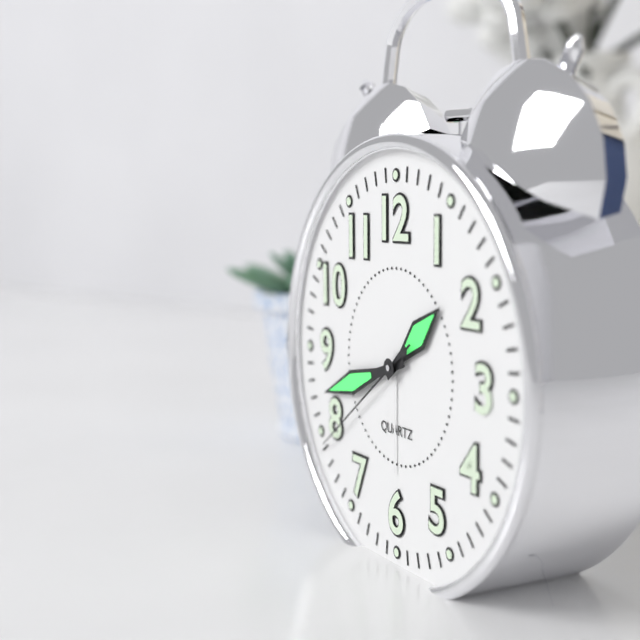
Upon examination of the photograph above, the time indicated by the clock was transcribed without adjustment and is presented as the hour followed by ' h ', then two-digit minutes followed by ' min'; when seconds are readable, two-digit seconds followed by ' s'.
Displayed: 1 h 42 min 39 s
